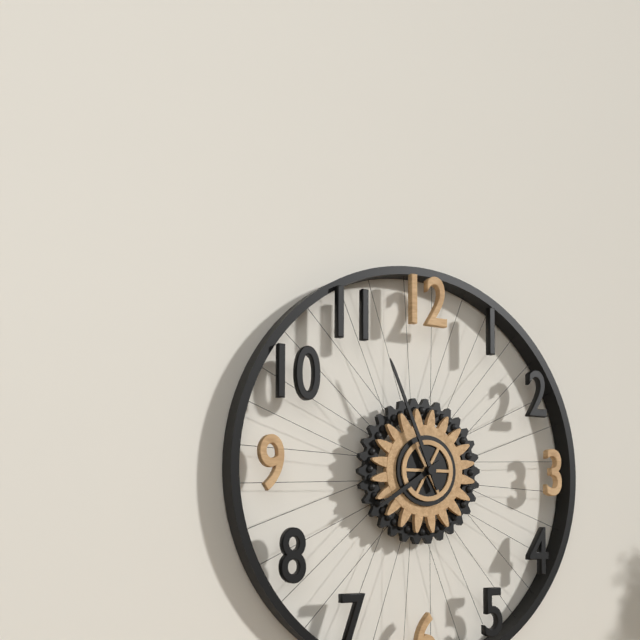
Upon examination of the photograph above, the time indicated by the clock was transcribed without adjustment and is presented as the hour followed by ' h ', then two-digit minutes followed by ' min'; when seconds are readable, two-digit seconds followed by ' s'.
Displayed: 7 h 56 min
